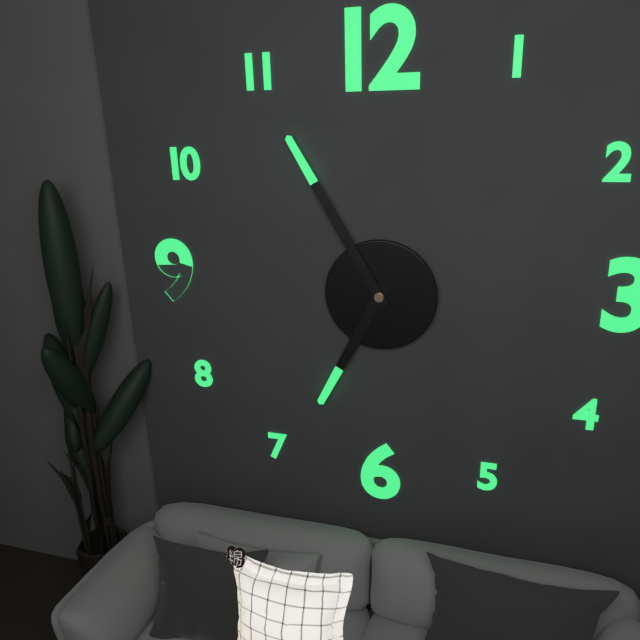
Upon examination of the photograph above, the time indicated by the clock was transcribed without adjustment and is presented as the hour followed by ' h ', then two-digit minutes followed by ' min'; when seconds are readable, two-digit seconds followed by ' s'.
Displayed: 6 h 55 min
